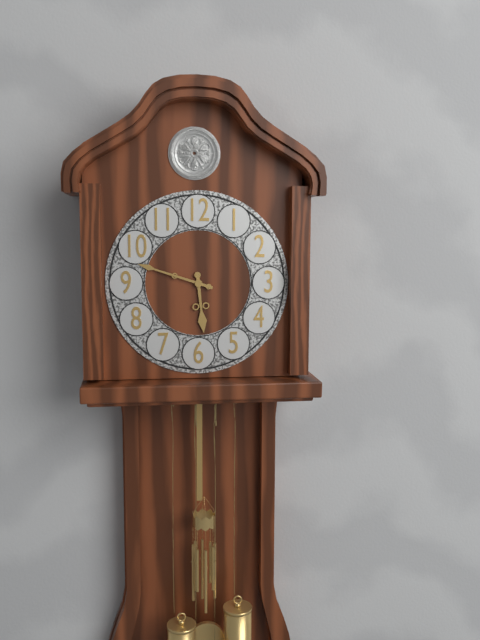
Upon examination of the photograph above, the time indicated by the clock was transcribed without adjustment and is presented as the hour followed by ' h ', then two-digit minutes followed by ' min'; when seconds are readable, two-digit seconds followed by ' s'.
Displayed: 5 h 48 min
